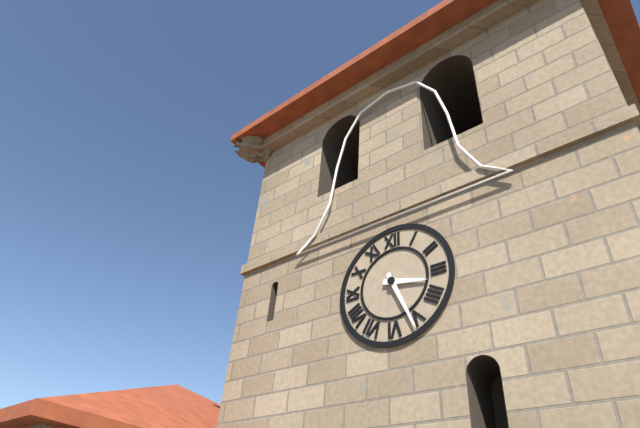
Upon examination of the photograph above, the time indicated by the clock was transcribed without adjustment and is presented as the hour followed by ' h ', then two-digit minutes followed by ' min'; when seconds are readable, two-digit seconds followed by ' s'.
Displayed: 3 h 26 min
